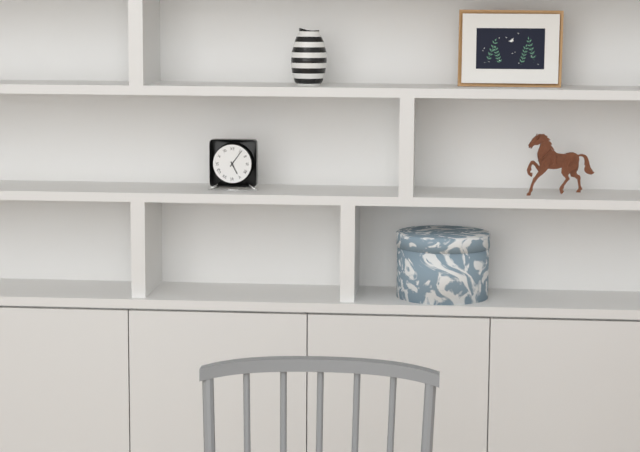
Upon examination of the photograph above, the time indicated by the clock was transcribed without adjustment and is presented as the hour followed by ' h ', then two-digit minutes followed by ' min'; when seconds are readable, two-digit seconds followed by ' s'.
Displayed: 5 h 06 min
